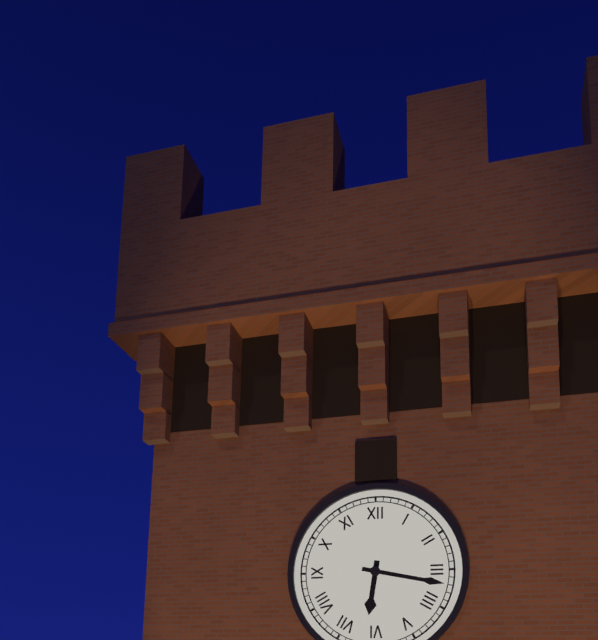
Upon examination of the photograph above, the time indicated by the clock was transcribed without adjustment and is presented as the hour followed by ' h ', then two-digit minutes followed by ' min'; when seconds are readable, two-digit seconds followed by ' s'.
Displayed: 6 h 17 min
